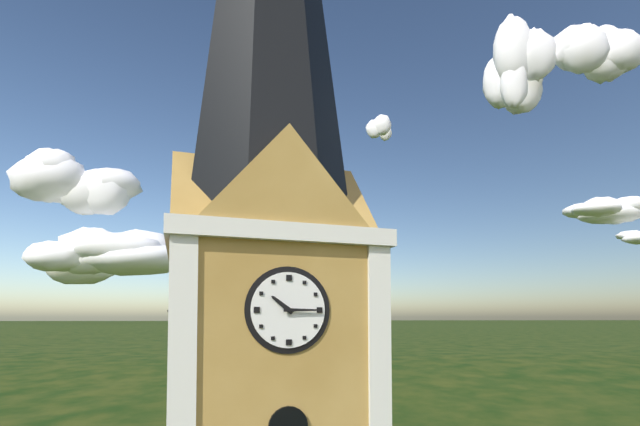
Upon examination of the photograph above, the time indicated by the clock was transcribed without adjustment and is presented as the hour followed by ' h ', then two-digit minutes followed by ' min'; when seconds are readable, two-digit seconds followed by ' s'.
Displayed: 10 h 15 min
